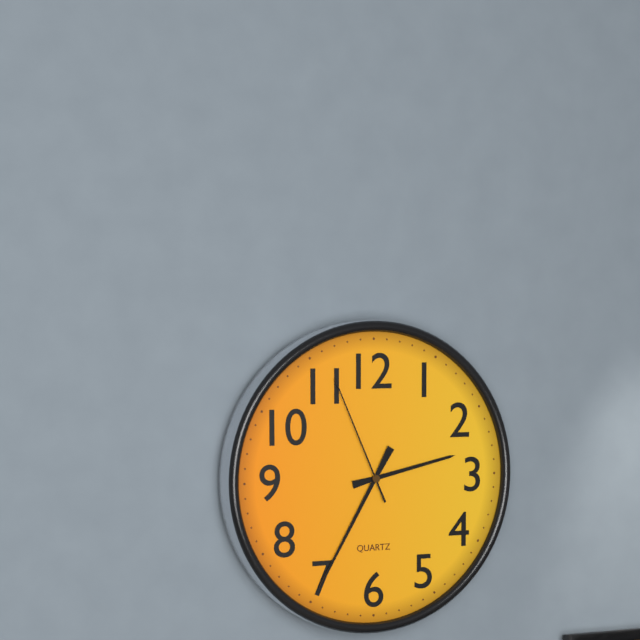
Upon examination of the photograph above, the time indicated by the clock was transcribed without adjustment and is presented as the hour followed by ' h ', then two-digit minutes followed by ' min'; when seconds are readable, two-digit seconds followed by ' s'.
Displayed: 2 h 35 min 56 s
